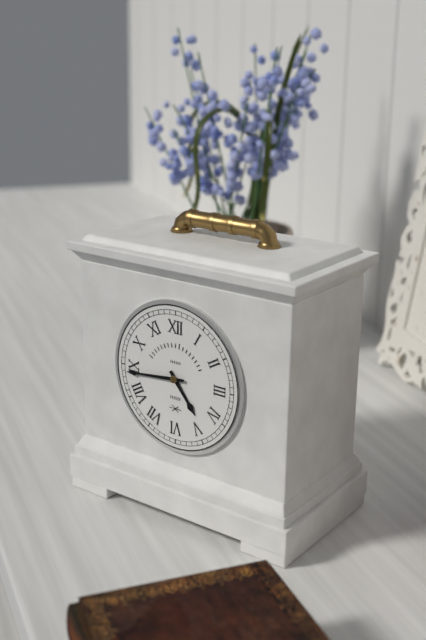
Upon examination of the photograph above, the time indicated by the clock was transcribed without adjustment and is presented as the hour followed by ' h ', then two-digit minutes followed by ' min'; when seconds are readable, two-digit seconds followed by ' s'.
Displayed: 4 h 44 min
